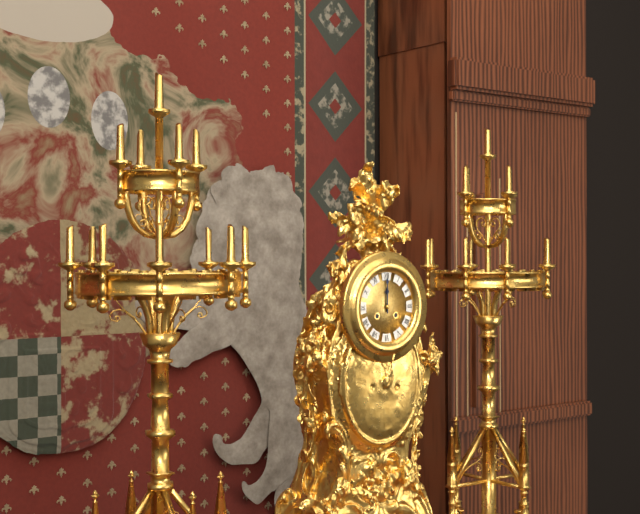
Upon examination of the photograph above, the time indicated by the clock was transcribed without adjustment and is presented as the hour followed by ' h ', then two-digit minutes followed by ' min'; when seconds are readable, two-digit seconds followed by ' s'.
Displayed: 12 h 00 min
